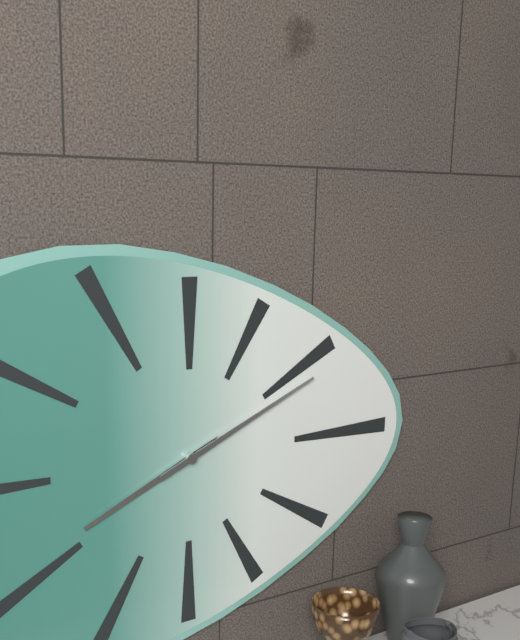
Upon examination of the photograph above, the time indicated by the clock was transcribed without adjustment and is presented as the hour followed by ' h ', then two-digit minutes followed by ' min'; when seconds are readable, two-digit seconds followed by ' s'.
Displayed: 8 h 11 min
